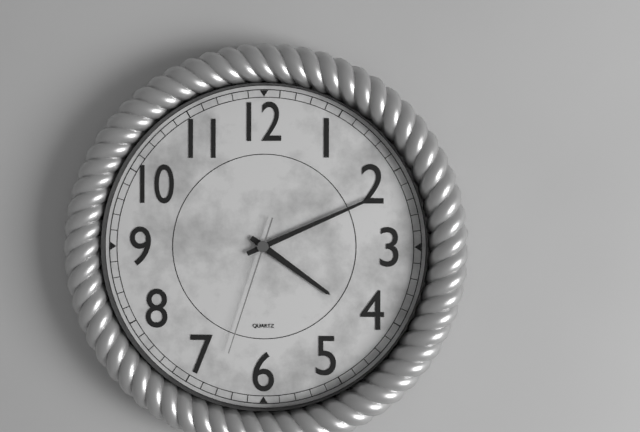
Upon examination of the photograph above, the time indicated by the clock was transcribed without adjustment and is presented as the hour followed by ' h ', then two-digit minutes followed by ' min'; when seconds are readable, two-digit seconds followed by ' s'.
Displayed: 4 h 11 min 33 s
